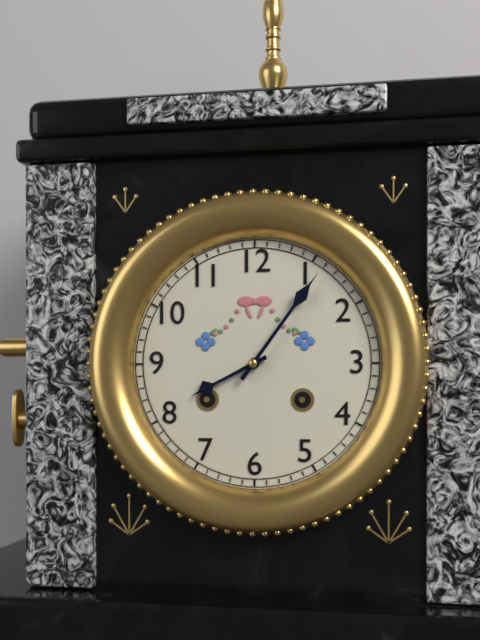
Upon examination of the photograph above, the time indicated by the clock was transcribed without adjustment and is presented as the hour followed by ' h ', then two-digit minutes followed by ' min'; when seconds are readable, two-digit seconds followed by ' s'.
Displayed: 8 h 06 min
